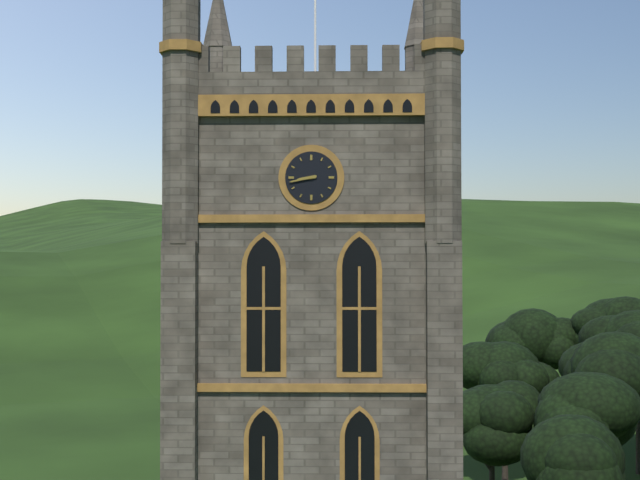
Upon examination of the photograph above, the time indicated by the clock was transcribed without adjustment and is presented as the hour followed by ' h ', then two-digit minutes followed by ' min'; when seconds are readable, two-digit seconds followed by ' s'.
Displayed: 8 h 43 min
